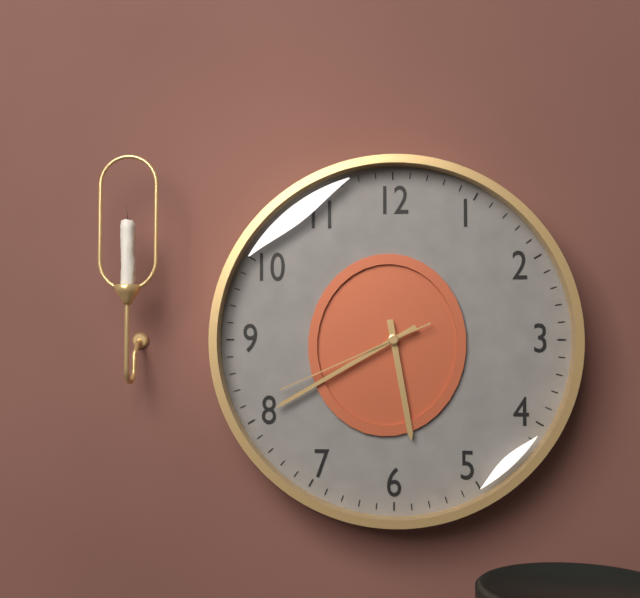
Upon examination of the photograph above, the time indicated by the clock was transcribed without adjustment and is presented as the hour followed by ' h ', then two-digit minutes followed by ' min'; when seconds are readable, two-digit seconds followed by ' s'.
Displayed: 5 h 40 min 41 s
